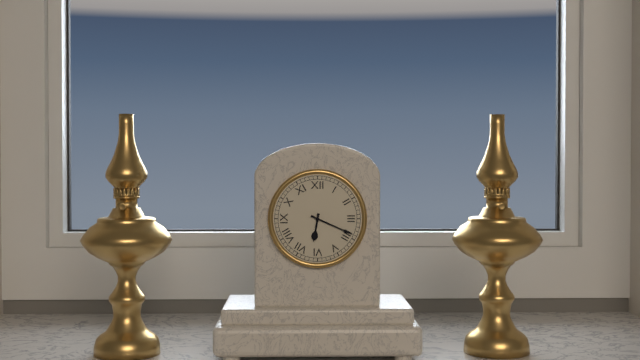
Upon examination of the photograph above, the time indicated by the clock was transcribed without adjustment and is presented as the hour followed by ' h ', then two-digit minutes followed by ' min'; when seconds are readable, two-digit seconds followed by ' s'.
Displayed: 6 h 19 min
